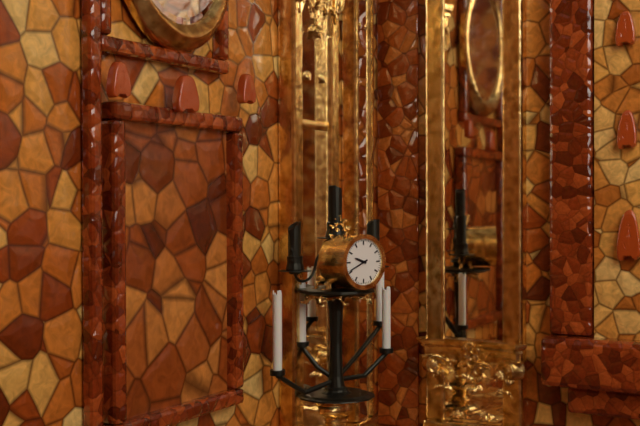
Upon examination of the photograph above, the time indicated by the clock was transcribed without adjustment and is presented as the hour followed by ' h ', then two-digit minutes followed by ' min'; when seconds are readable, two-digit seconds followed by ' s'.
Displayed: 9 h 41 min
